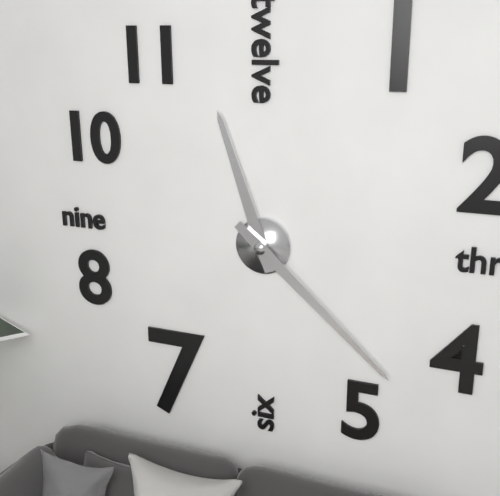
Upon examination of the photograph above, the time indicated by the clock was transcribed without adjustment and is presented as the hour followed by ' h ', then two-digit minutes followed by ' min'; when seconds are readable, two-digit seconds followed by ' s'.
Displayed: 11 h 22 min
